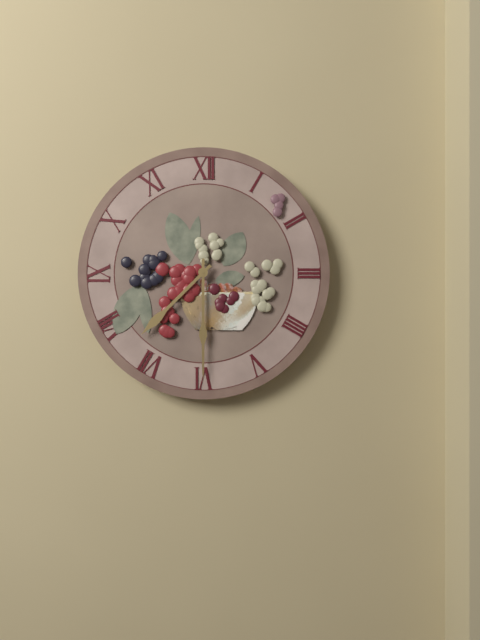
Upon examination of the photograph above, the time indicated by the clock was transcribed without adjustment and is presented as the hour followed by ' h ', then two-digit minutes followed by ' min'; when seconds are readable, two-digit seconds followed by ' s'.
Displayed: 7 h 30 min
